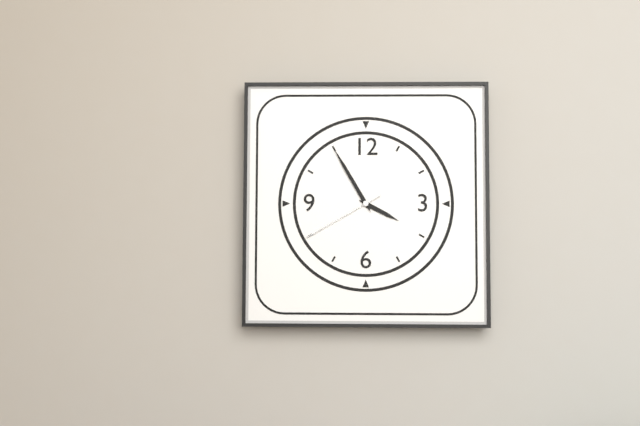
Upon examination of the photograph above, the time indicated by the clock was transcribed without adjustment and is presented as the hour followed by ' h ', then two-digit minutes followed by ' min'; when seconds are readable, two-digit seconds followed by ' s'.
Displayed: 3 h 55 min 40 s
